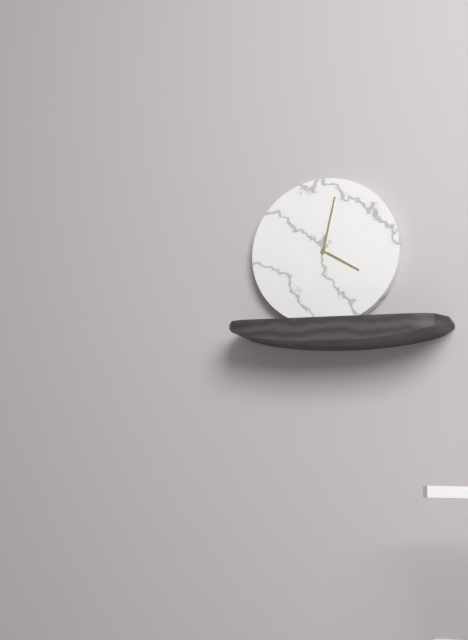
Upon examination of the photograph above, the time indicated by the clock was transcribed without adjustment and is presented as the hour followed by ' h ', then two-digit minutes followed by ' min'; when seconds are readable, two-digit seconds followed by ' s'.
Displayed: 4 h 02 min
